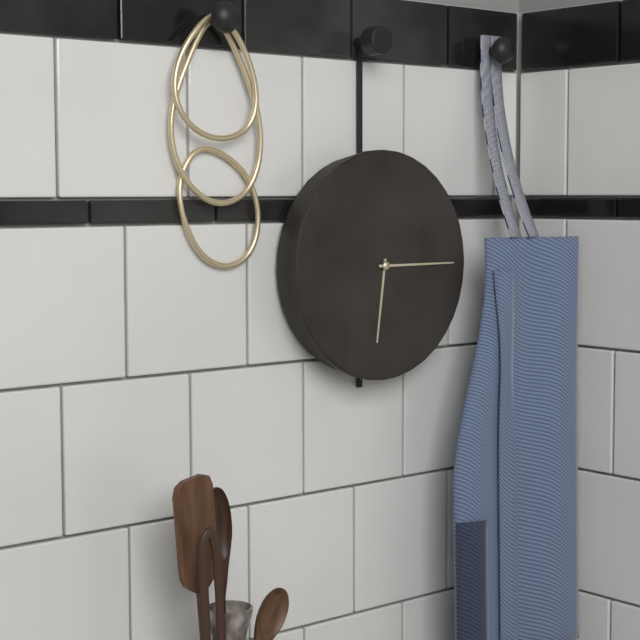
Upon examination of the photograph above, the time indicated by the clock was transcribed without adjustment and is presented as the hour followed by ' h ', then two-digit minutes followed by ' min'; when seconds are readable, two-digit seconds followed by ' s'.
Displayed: 6 h 15 min
